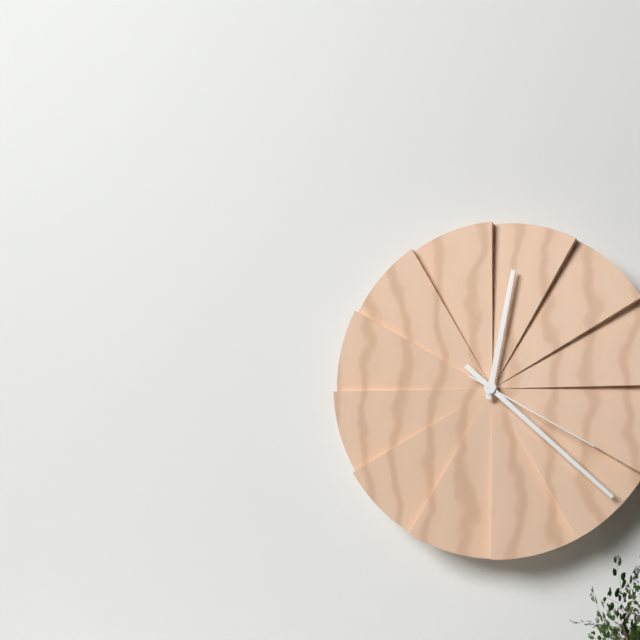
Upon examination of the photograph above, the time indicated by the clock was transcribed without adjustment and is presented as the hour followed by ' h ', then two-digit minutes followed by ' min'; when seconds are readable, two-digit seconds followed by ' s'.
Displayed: 12 h 22 min 20 s
